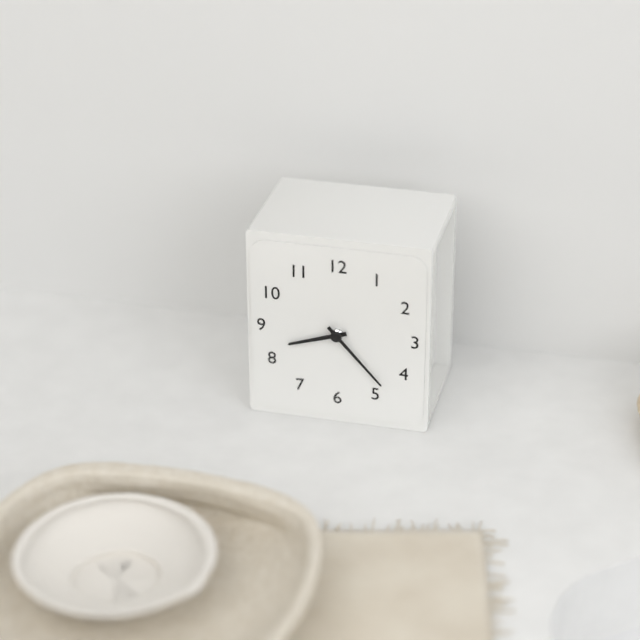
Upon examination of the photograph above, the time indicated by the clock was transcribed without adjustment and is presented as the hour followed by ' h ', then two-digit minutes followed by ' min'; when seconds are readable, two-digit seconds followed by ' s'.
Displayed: 8 h 23 min
